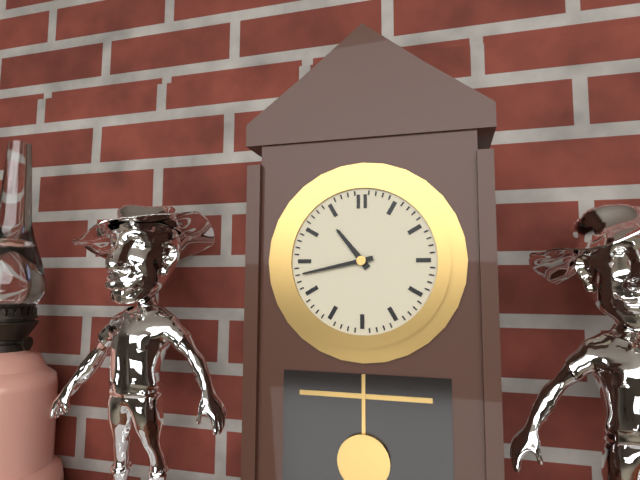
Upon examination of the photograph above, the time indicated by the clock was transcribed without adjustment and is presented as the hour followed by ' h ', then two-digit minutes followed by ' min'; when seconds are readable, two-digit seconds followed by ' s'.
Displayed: 10 h 43 min
